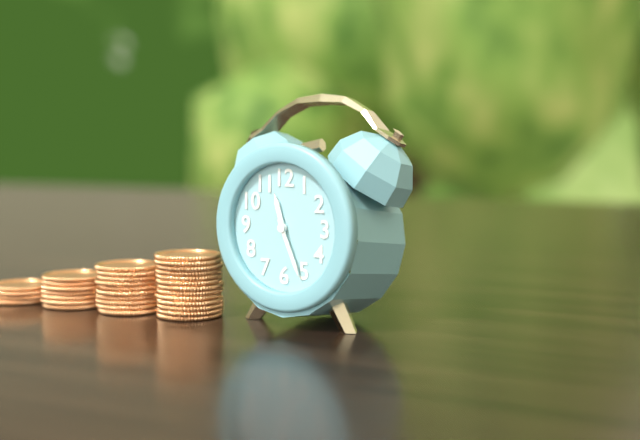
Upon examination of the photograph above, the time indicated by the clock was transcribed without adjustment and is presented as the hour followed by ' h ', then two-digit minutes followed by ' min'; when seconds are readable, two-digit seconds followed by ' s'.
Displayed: 11 h 26 min
